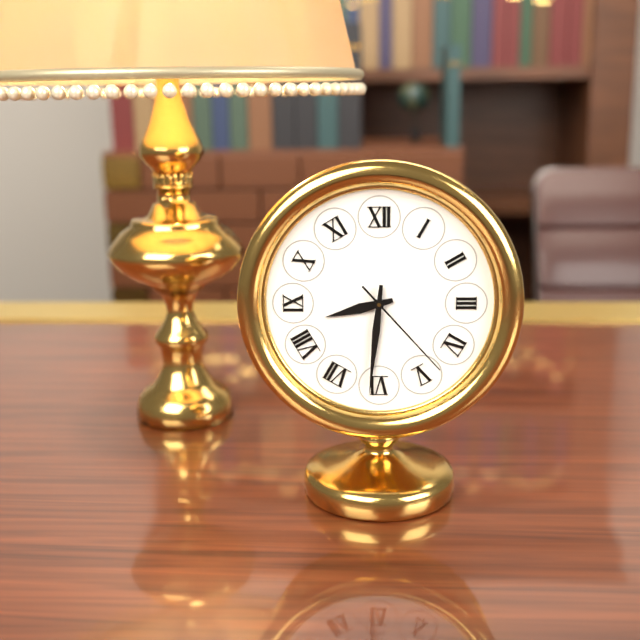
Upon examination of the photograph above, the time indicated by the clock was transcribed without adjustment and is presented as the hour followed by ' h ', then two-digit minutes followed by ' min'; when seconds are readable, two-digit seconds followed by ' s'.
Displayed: 8 h 31 min 23 s
